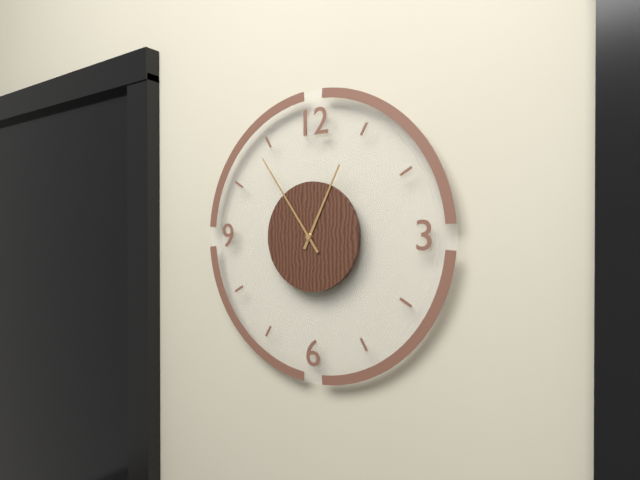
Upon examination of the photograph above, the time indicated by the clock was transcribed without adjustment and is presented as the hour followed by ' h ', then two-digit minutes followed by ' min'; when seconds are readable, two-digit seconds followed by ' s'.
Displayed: 12 h 54 min
